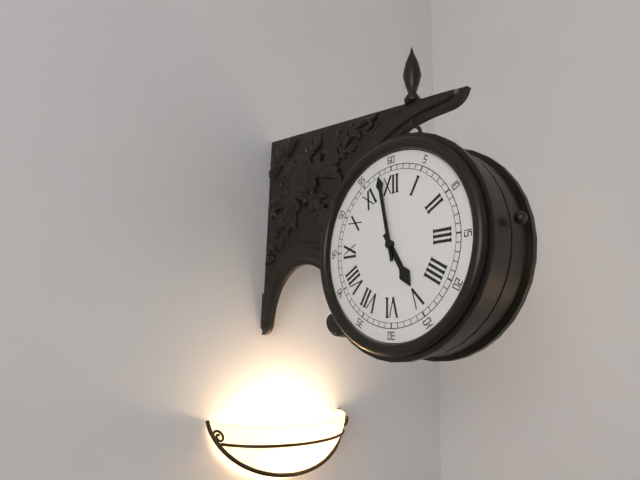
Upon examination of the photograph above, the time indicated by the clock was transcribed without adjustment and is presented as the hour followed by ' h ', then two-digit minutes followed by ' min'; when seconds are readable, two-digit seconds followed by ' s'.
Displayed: 4 h 58 min
